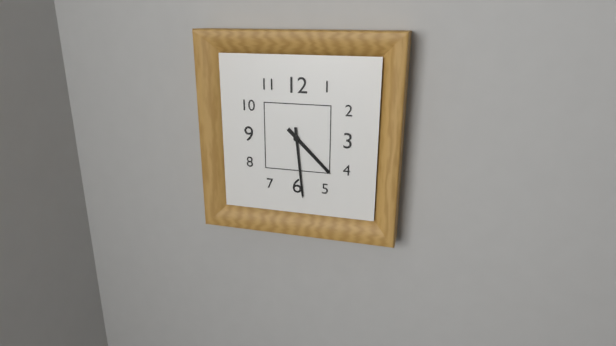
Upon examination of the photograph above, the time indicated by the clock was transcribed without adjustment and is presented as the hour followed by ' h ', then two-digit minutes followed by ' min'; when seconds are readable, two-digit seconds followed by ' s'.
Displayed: 4 h 29 min
